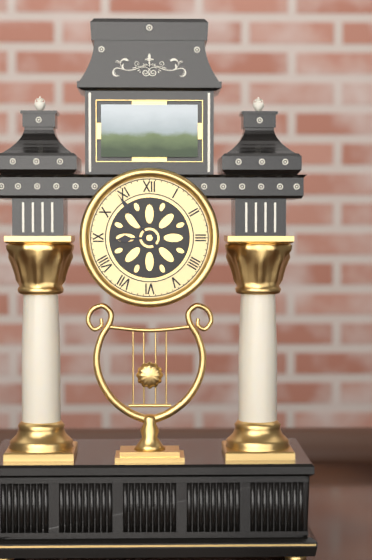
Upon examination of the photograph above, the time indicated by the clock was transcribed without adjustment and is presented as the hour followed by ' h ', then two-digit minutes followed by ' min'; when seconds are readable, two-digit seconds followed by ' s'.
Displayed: 8 h 54 min
